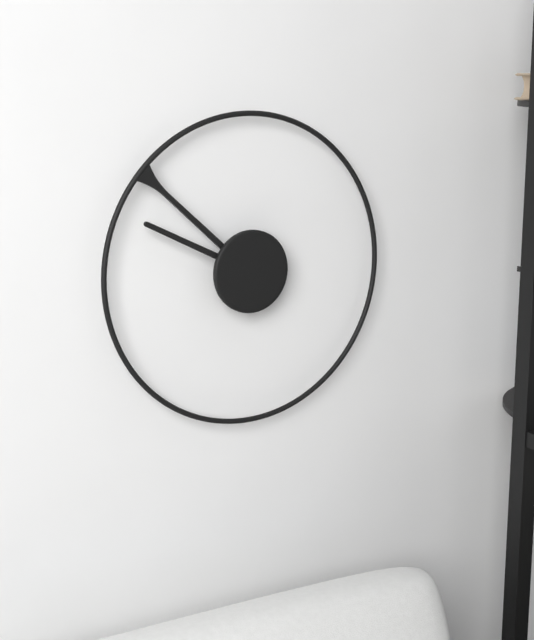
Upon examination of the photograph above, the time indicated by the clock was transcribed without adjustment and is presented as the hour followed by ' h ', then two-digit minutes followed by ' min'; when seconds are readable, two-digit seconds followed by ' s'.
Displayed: 9 h 52 min
